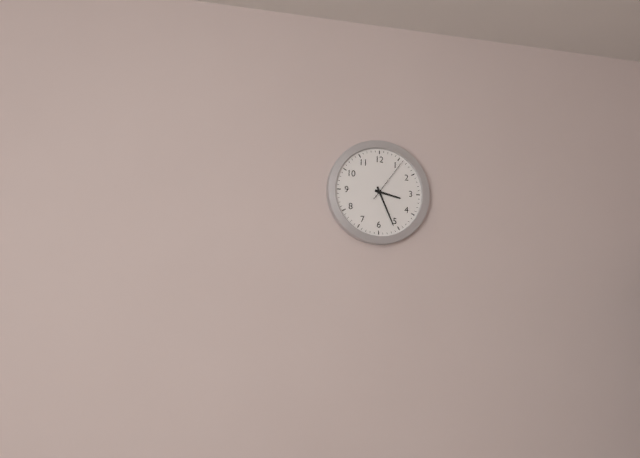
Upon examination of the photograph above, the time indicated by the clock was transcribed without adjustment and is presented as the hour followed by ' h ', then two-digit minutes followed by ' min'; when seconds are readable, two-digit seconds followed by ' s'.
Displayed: 3 h 26 min
